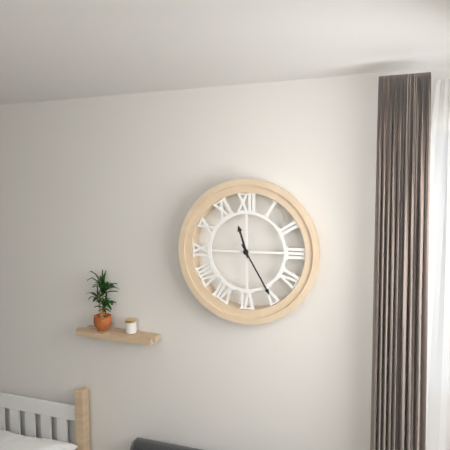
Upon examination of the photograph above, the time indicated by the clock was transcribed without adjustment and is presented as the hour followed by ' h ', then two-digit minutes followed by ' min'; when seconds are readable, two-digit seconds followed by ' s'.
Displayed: 11 h 25 min
